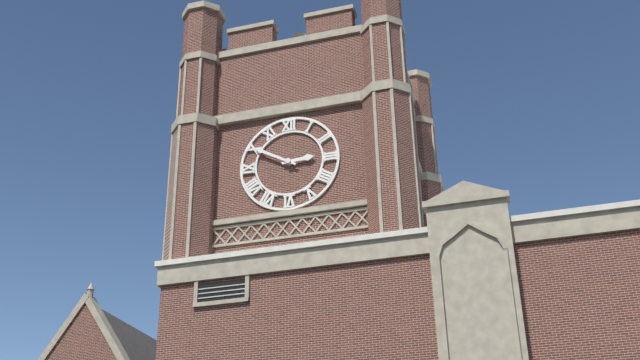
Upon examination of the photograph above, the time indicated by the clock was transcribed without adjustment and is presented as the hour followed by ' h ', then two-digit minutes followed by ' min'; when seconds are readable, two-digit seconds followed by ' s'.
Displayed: 2 h 50 min
